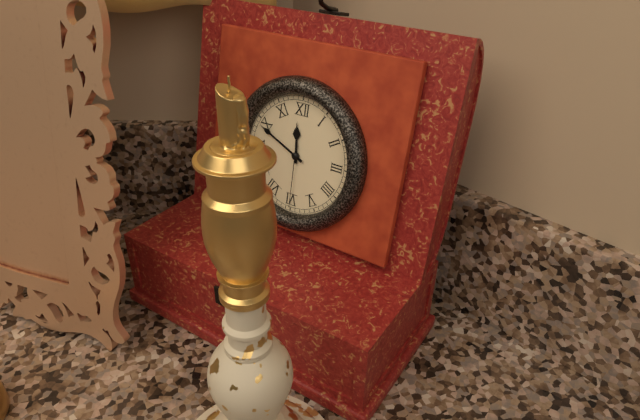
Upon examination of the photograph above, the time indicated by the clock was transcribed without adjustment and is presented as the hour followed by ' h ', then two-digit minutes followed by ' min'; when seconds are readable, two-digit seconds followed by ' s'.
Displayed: 11 h 49 min 30 s
